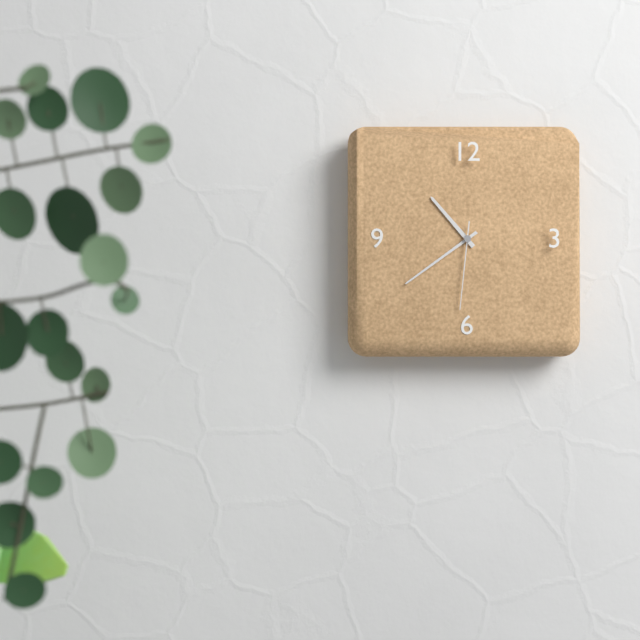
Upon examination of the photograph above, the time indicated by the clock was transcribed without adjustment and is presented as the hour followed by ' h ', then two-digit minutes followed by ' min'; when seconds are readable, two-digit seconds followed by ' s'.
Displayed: 10 h 39 min 31 s
